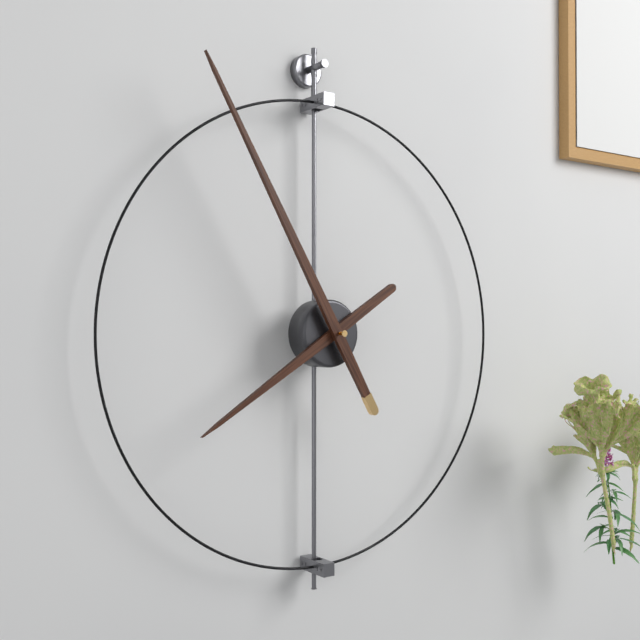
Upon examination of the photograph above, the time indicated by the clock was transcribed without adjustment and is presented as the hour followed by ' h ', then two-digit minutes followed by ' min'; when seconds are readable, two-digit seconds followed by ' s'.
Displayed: 7 h 55 min
